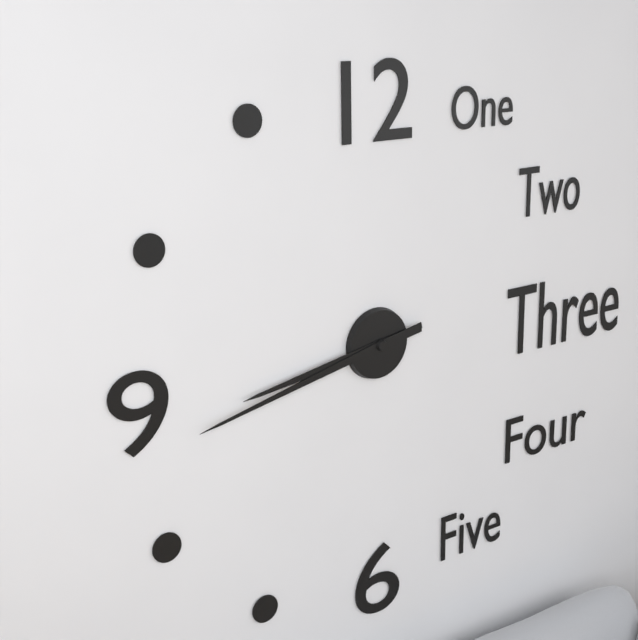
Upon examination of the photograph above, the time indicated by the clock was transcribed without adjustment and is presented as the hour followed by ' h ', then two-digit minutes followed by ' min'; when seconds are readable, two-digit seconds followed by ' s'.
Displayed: 8 h 43 min
